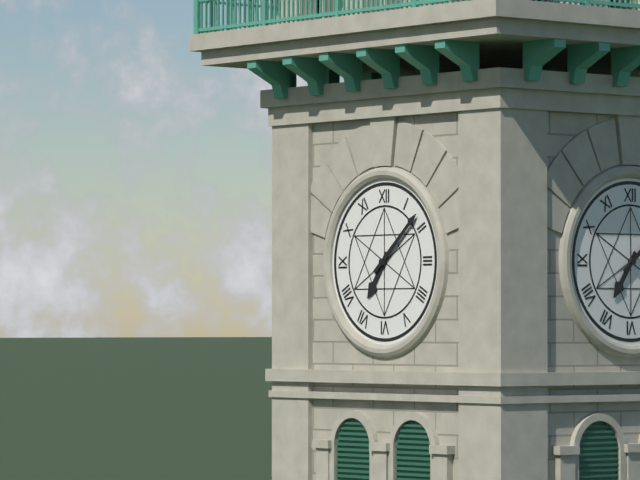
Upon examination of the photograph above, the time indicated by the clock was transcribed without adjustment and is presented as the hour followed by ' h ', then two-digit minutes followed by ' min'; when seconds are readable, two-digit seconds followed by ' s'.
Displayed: 7 h 08 min
